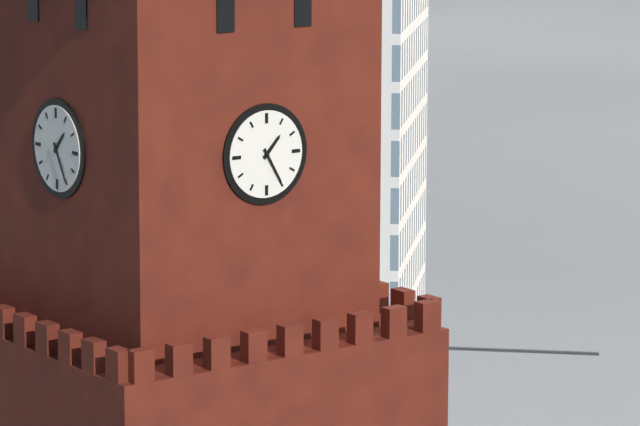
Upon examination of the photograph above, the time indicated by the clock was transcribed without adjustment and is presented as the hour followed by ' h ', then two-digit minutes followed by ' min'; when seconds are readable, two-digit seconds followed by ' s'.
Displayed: 1 h 25 min
